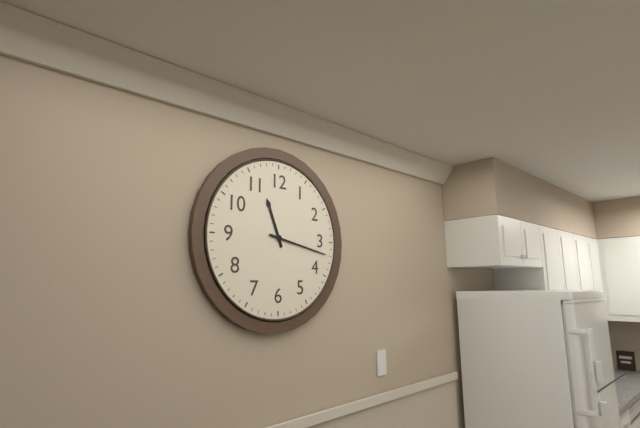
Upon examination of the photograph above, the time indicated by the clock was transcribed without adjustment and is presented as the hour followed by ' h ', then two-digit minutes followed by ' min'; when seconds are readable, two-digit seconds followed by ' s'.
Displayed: 11 h 17 min
